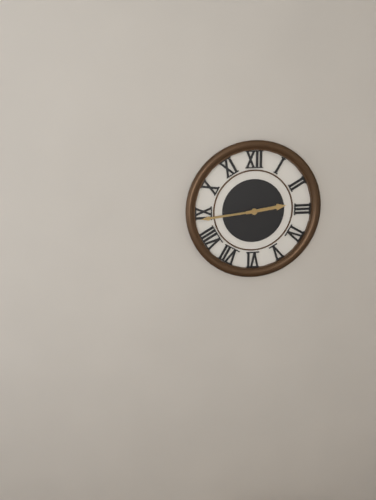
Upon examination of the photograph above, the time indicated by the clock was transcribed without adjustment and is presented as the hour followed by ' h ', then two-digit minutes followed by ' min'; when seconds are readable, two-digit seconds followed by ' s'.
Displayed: 2 h 44 min
